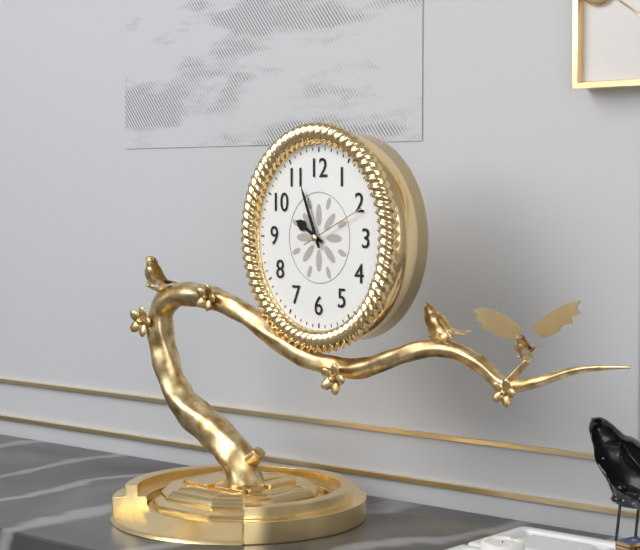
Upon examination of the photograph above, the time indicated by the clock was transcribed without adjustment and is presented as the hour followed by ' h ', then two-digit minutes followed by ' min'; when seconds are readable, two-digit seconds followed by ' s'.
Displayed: 9 h 56 min 11 s
